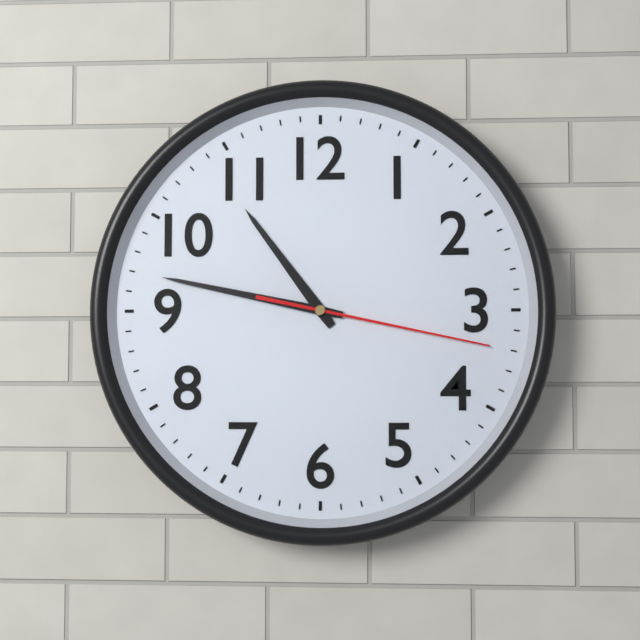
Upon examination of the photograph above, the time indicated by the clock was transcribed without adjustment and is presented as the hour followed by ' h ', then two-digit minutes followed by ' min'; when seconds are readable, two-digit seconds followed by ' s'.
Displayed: 10 h 47 min 17 s
